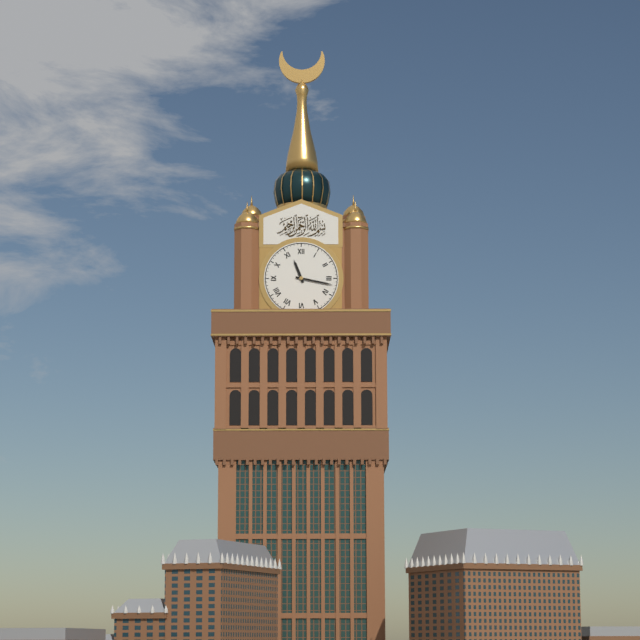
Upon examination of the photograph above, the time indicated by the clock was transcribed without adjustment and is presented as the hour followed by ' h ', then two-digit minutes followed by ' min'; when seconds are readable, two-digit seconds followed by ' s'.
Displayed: 11 h 17 min
